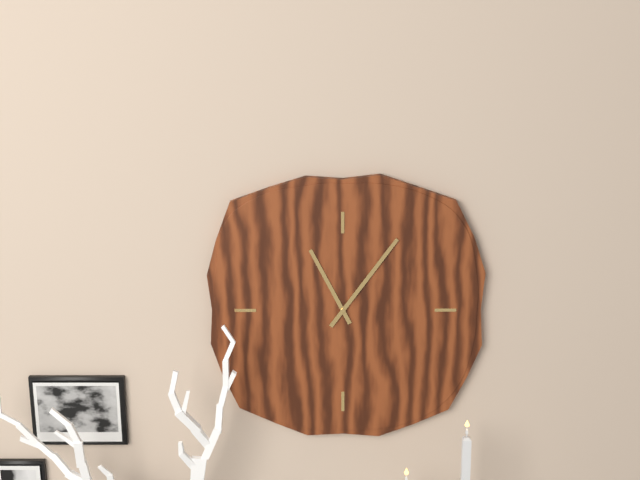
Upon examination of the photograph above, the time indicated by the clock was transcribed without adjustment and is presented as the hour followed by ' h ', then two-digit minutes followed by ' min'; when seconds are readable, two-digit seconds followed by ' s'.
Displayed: 11 h 06 min
